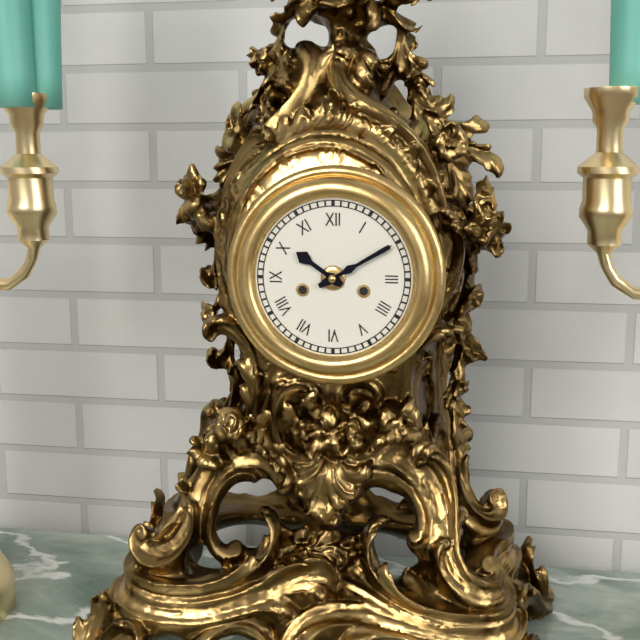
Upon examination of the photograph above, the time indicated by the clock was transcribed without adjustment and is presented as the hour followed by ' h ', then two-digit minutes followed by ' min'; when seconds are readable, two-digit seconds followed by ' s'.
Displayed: 10 h 10 min
